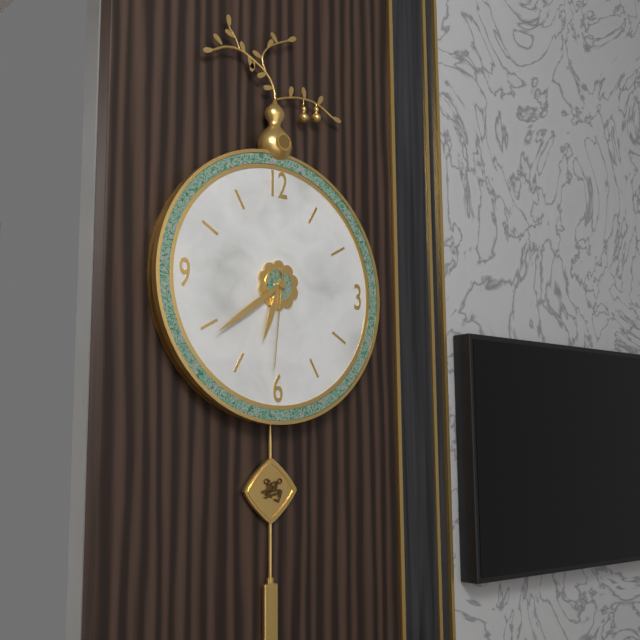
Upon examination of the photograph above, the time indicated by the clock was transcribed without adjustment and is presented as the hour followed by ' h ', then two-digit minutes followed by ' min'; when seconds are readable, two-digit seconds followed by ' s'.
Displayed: 6 h 39 min 31 s
